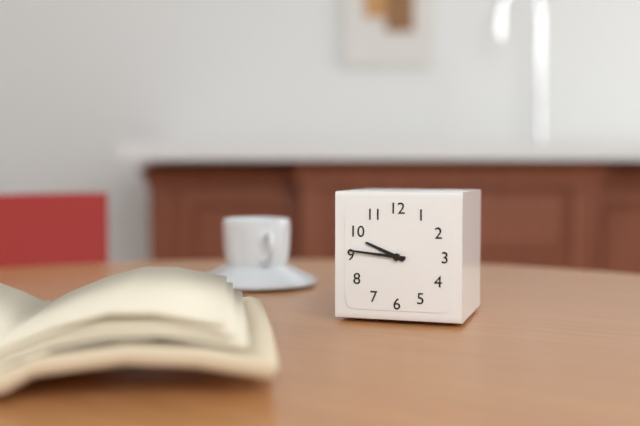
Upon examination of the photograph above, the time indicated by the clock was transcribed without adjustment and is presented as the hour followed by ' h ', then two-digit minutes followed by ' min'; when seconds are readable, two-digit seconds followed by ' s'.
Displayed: 9 h 46 min
